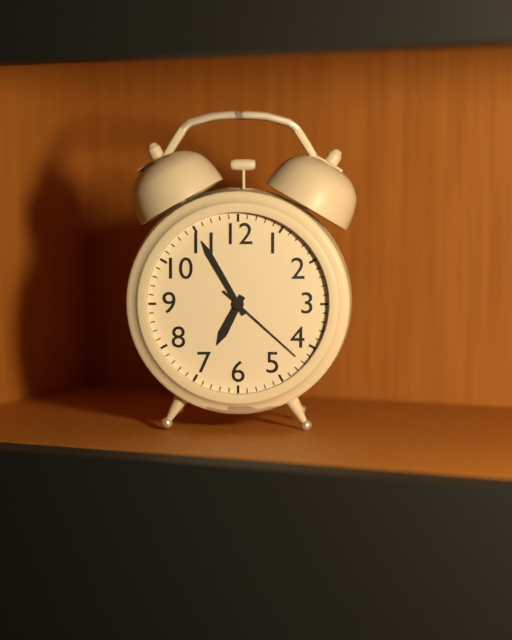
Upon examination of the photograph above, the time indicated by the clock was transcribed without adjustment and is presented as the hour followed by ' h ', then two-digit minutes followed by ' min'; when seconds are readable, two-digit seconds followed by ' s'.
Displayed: 6 h 55 min 22 s
